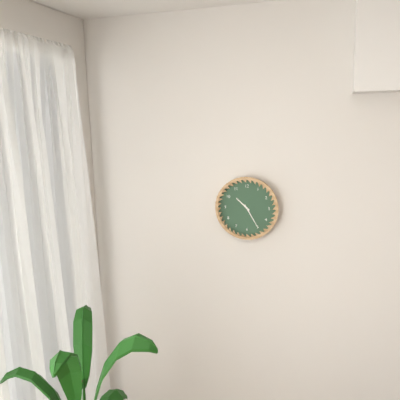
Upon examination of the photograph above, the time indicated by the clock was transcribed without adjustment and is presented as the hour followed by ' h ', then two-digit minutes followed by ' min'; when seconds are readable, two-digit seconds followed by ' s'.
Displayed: 10 h 25 min
